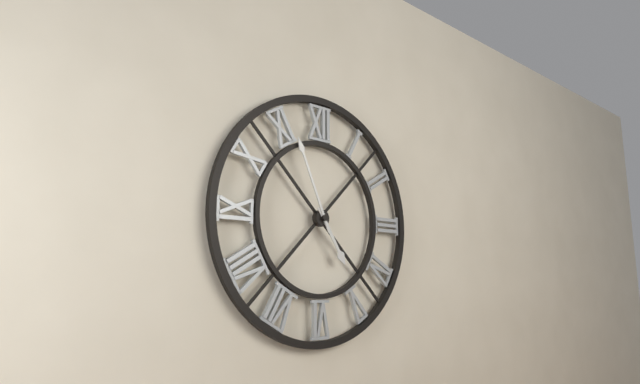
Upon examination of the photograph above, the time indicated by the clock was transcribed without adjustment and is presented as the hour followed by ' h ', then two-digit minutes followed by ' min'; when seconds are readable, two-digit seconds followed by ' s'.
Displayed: 4 h 56 min
